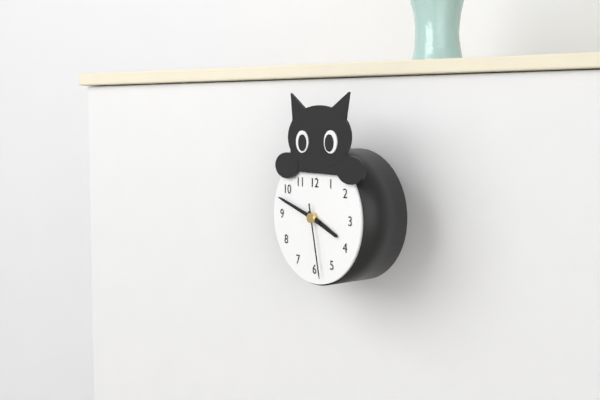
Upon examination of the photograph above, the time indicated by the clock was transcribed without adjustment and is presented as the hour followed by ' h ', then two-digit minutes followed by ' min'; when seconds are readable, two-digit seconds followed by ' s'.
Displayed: 3 h 48 min 28 s
